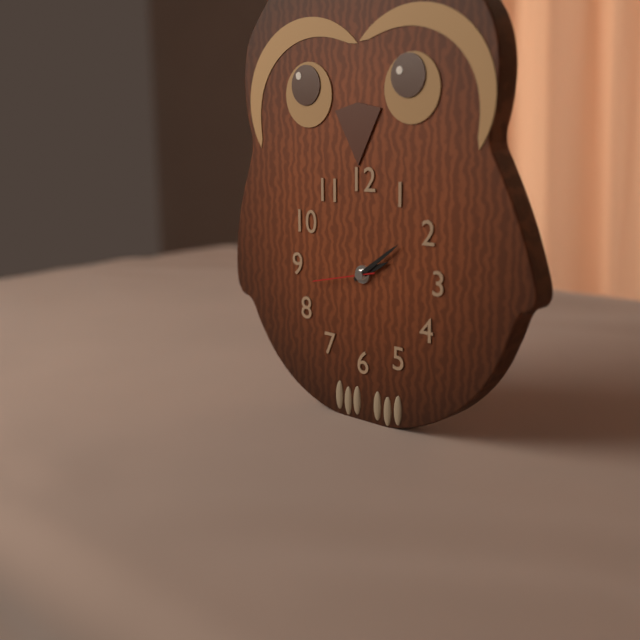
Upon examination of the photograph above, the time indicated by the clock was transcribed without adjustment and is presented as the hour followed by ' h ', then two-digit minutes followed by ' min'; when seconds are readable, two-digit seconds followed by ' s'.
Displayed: 2 h 09 min 43 s
